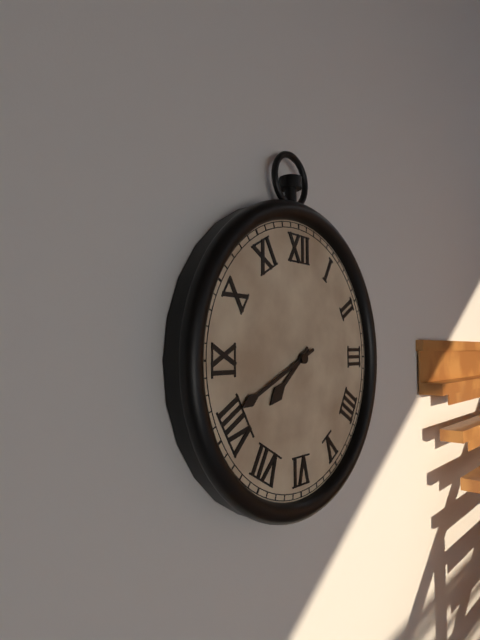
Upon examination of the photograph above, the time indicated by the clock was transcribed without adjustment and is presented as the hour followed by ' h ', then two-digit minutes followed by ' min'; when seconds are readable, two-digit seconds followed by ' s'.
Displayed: 7 h 41 min
